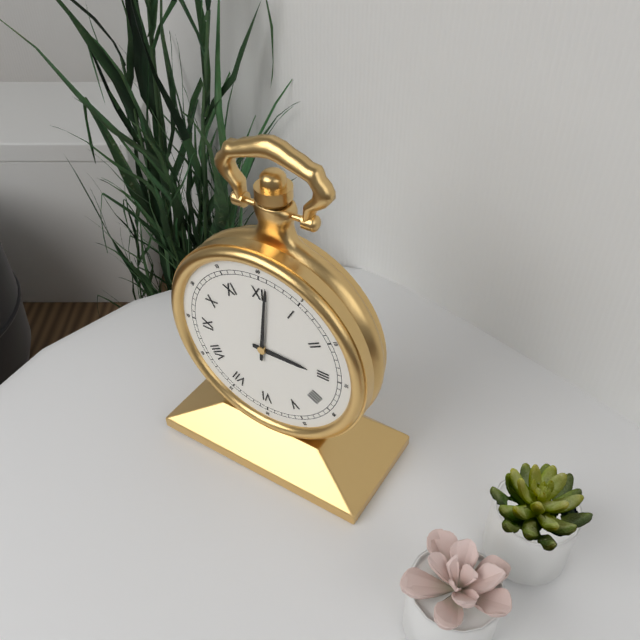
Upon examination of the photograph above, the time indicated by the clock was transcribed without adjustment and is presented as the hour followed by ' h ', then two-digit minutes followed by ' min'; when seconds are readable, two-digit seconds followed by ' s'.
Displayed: 3 h 01 min
